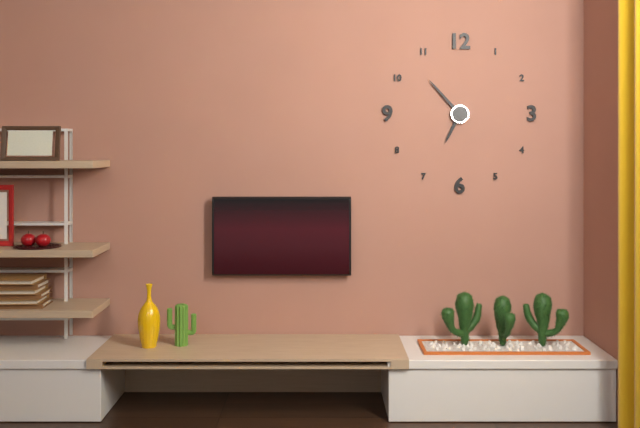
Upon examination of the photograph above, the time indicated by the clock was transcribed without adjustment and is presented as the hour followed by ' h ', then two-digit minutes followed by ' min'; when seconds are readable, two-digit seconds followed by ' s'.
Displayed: 6 h 53 min
